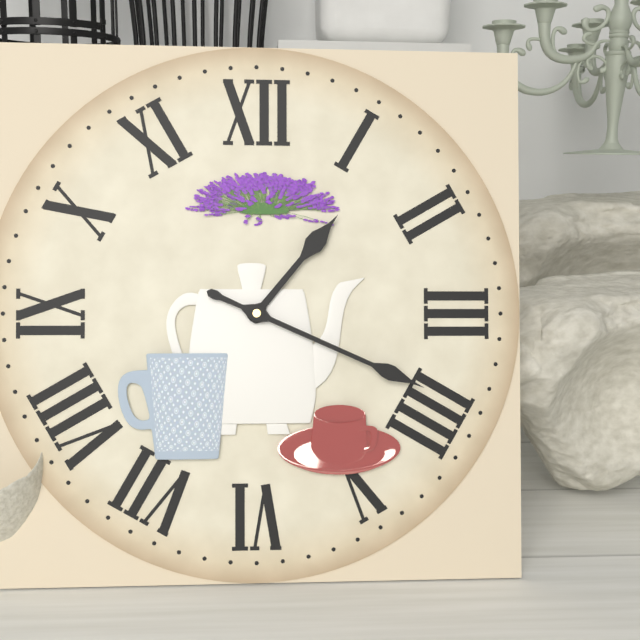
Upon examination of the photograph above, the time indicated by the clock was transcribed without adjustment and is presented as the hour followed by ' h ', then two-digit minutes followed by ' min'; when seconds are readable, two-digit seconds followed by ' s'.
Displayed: 1 h 19 min
